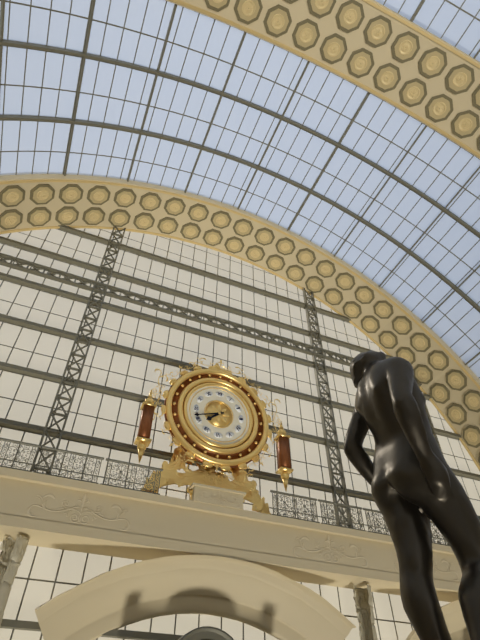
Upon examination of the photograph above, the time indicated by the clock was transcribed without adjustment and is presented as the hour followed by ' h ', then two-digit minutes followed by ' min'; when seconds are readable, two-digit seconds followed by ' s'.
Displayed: 7 h 42 min
